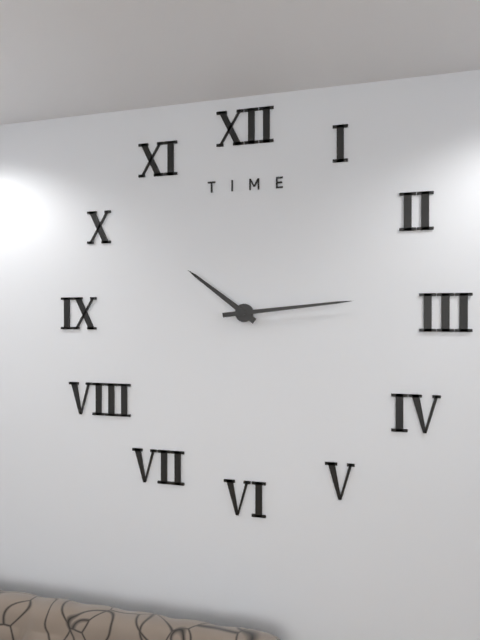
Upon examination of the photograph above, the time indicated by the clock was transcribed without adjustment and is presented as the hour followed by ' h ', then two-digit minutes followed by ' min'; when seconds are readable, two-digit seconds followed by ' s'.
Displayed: 10 h 14 min
